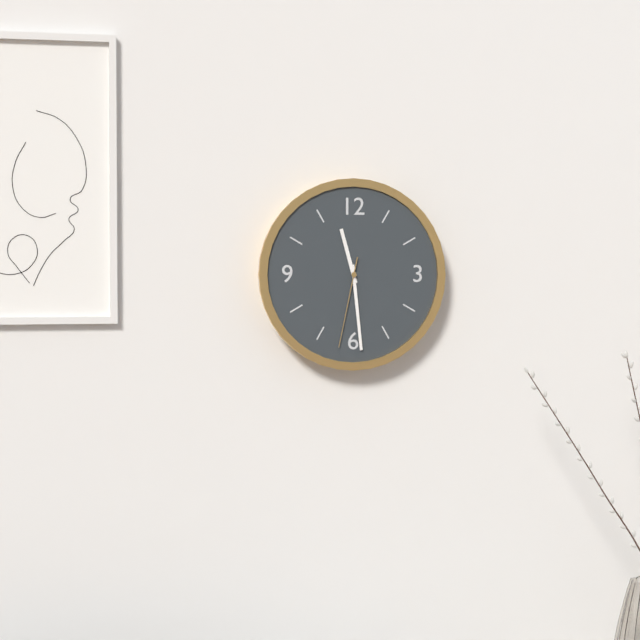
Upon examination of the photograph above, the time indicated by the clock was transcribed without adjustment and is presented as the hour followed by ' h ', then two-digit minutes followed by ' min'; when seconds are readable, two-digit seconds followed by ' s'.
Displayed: 11 h 29 min 32 s
